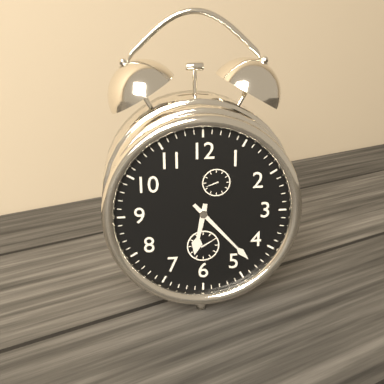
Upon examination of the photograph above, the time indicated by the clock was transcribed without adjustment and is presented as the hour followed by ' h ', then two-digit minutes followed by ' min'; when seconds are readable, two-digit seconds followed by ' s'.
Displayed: 6 h 23 min
